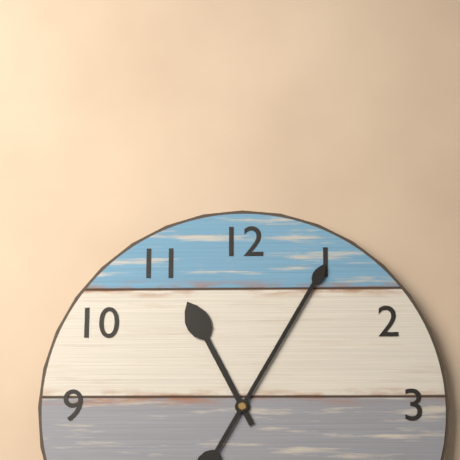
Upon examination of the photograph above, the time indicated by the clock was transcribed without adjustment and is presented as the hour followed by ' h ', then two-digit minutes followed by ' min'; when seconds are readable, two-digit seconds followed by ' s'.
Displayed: 11 h 05 min
